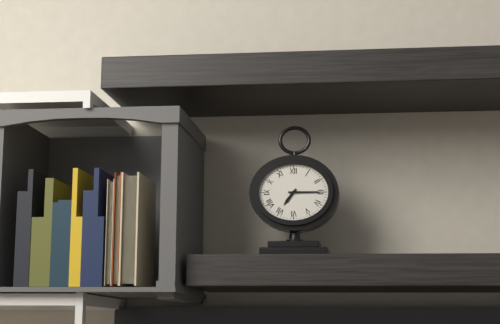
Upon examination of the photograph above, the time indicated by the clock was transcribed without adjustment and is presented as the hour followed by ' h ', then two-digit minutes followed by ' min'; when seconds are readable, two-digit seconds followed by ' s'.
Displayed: 7 h 15 min
